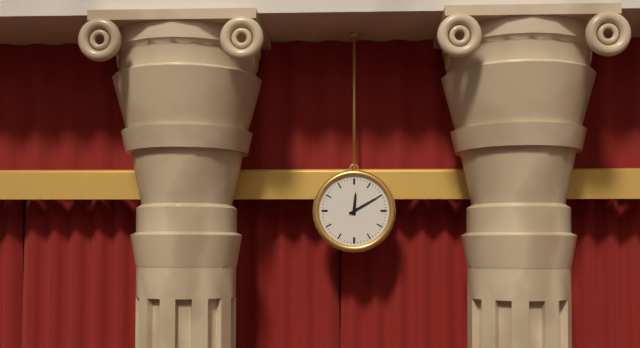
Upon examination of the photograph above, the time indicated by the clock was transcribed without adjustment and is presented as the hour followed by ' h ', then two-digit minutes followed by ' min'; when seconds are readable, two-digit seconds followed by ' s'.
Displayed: 12 h 10 min
